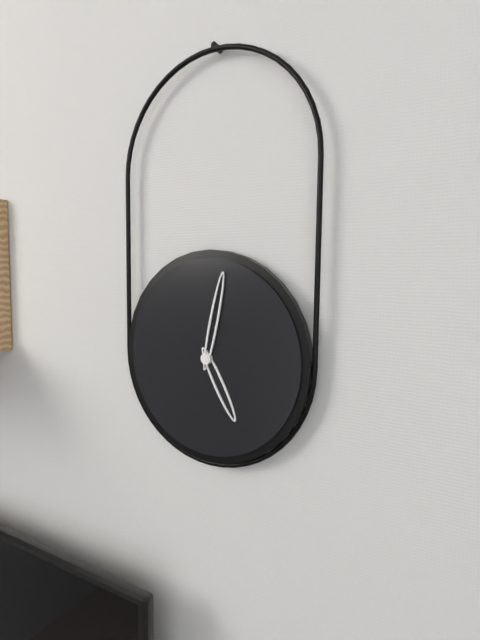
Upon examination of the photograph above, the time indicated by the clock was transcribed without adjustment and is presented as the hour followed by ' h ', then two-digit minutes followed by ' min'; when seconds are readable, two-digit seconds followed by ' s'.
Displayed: 5 h 02 min
